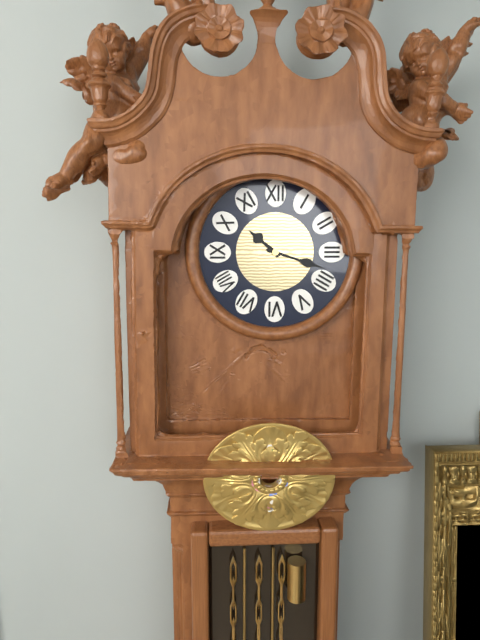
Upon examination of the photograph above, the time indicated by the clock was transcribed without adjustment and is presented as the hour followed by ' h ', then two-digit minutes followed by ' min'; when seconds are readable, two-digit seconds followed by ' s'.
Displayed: 10 h 18 min
